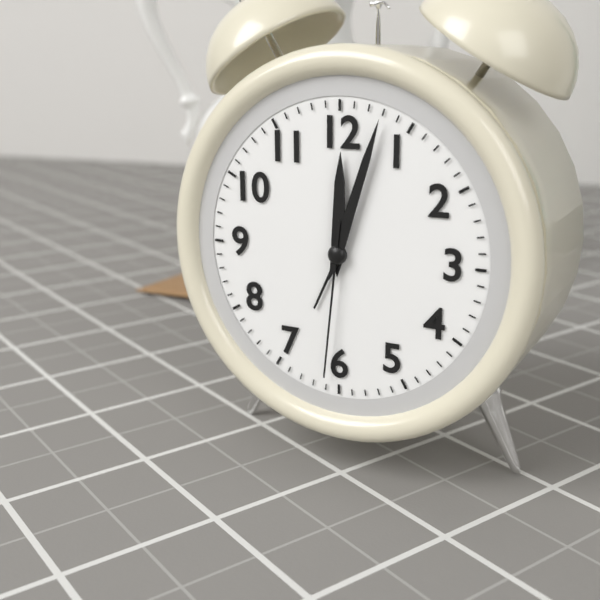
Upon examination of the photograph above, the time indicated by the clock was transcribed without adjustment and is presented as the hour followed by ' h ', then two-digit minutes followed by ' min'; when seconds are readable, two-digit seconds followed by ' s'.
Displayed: 12 h 03 min 31 s
